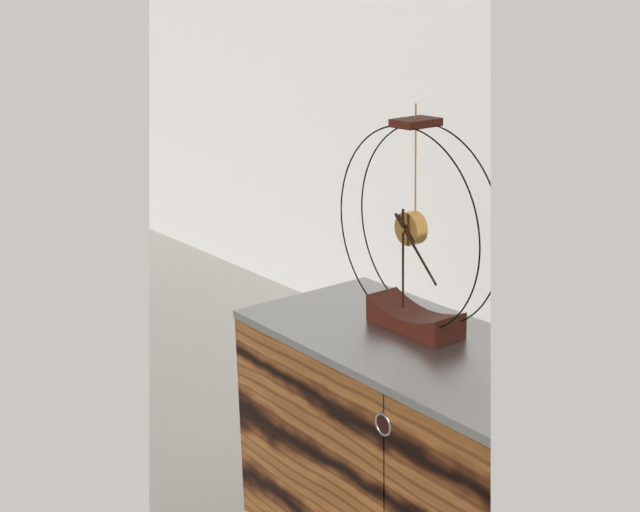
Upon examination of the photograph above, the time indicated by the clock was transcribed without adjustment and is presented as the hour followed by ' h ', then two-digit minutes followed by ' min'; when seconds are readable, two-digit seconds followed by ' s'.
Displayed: 4 h 30 min
